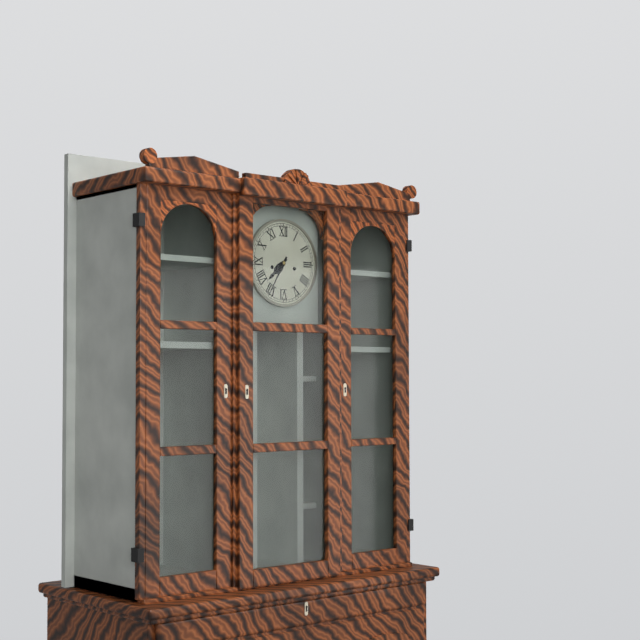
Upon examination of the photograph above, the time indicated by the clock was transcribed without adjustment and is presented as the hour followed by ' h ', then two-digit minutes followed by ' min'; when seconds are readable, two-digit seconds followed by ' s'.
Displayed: 7 h 35 min
